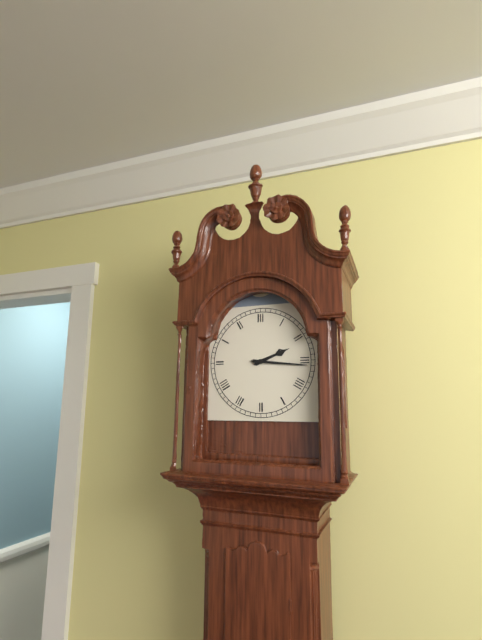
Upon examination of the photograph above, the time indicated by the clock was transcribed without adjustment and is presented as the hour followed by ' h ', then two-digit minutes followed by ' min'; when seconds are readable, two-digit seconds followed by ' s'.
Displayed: 2 h 16 min
